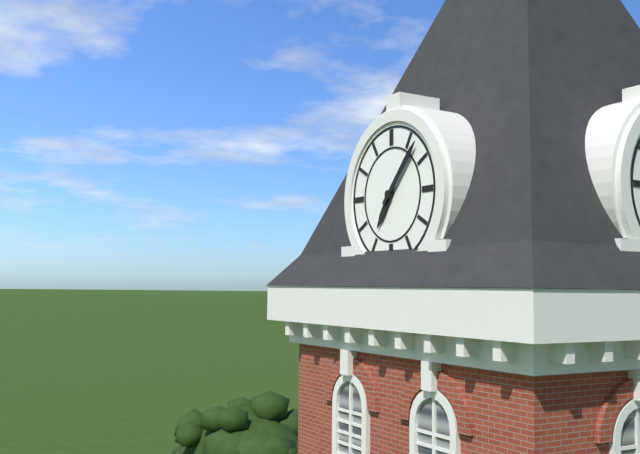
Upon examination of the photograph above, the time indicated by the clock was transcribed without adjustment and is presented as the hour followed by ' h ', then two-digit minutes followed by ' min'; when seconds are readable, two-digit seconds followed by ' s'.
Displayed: 7 h 07 min
